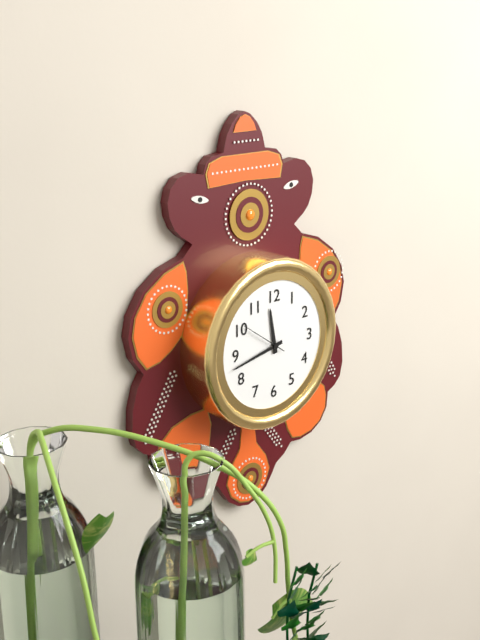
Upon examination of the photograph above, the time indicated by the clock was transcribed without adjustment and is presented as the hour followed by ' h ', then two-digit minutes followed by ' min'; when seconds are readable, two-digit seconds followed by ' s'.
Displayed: 11 h 43 min
